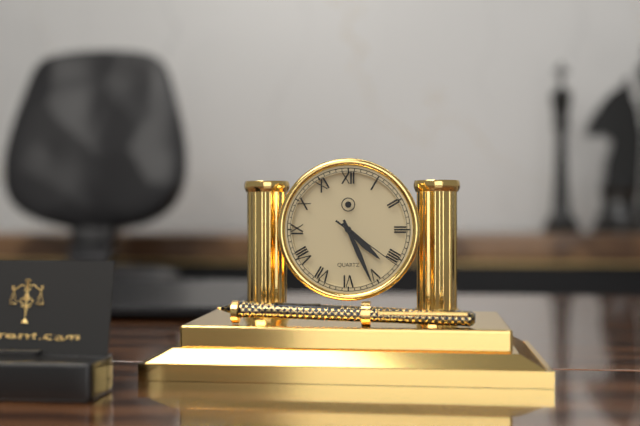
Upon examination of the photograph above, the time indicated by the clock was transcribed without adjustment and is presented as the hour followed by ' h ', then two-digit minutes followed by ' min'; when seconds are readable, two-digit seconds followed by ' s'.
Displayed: 4 h 26 min 21 s
